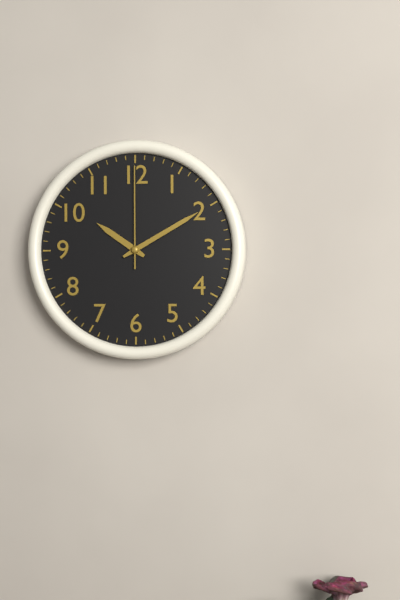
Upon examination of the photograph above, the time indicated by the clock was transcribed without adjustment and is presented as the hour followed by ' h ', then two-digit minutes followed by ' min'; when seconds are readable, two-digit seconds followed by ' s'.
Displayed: 10 h 10 min 00 s
